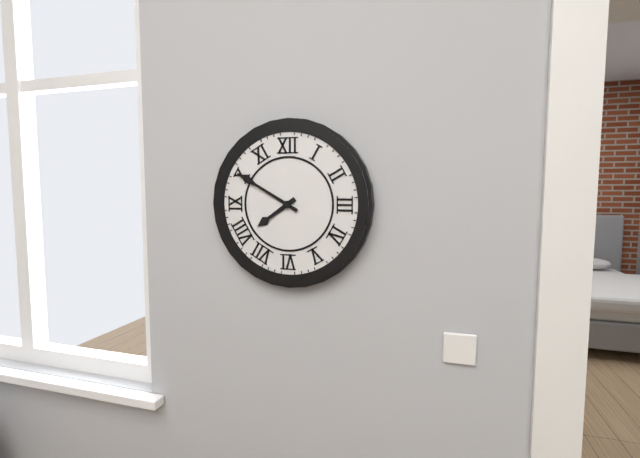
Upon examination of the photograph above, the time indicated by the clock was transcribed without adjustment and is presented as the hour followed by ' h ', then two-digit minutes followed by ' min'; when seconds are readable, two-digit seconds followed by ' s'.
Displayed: 7 h 50 min
